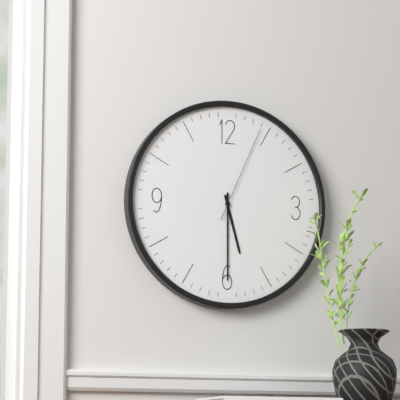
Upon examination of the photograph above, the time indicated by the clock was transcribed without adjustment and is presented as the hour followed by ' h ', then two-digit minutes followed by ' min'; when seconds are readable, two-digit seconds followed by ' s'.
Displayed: 5 h 30 min 04 s
